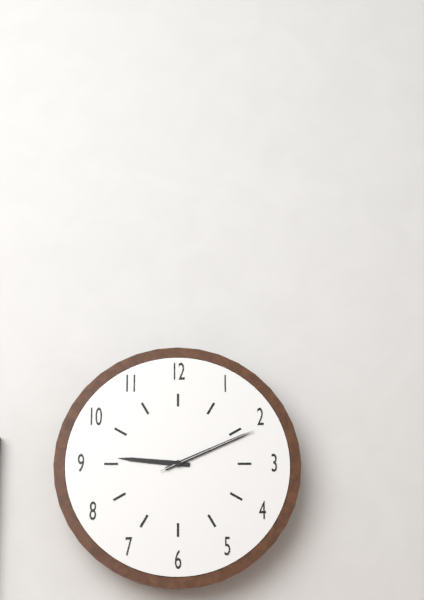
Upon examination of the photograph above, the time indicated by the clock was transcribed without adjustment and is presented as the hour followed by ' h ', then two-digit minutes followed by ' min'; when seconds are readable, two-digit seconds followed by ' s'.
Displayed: 9 h 11 min 11 s
